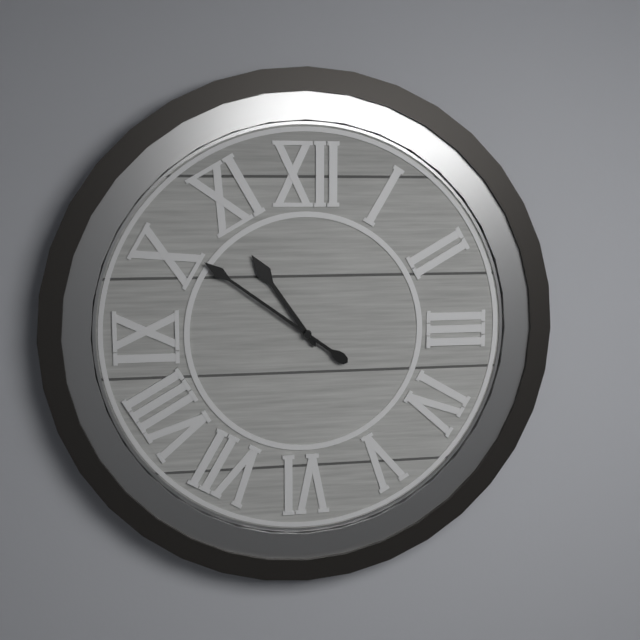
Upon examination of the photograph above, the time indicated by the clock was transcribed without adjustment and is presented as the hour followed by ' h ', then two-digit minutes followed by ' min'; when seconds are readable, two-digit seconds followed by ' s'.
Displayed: 10 h 51 min
